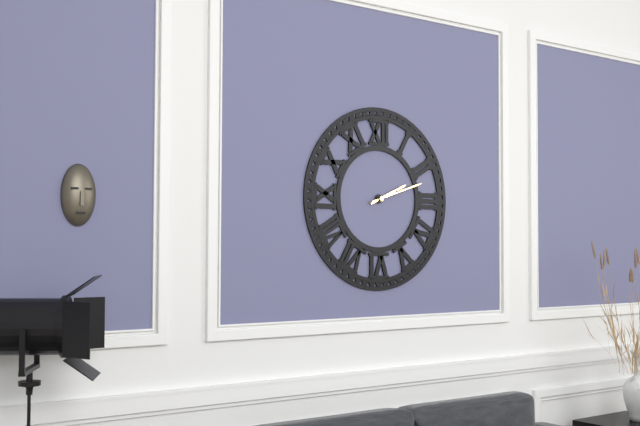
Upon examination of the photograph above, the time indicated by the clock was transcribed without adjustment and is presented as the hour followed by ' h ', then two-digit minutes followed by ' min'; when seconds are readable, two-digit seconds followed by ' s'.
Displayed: 2 h 12 min
